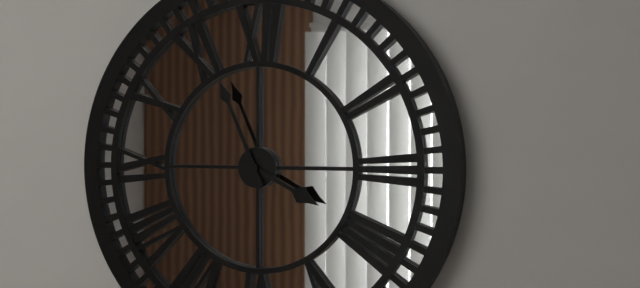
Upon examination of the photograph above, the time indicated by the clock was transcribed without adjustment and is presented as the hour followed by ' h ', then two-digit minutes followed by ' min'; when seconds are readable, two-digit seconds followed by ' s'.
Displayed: 3 h 56 min
